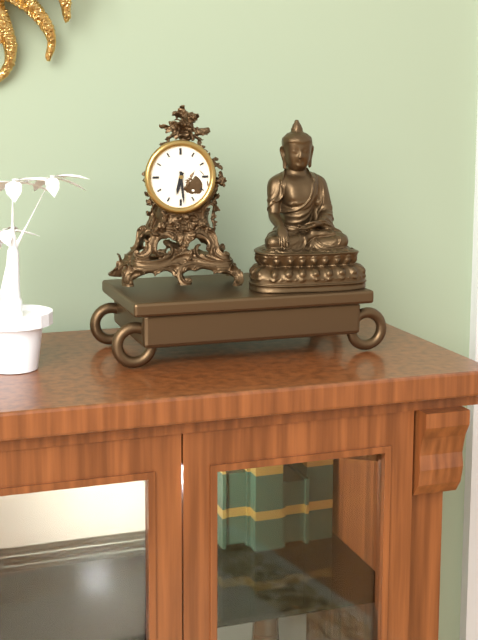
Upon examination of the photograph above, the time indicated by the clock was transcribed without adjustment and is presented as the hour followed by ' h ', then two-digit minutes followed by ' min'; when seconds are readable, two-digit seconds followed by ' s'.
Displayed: 6 h 29 min
